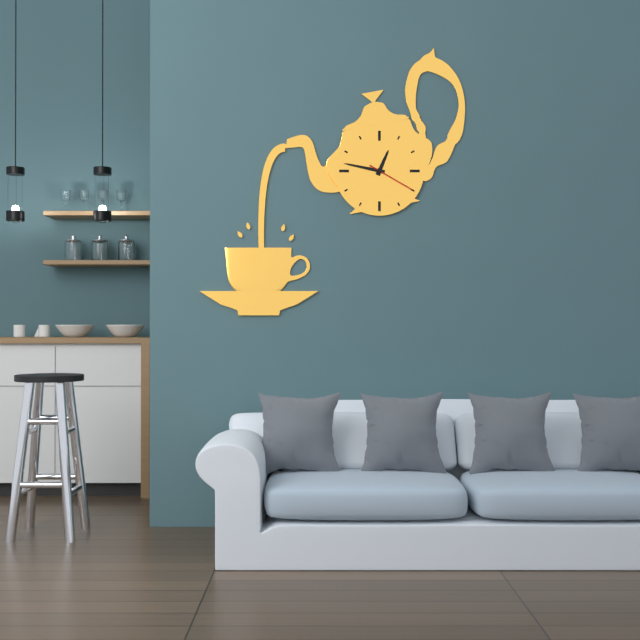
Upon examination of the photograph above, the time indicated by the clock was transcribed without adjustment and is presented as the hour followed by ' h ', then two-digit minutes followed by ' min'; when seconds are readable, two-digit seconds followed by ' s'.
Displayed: 12 h 47 min 20 s
